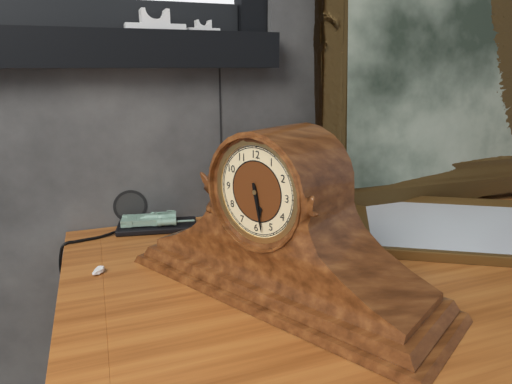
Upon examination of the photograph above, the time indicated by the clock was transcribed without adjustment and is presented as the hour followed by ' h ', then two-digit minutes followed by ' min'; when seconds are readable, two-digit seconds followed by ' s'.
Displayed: 5 h 28 min
